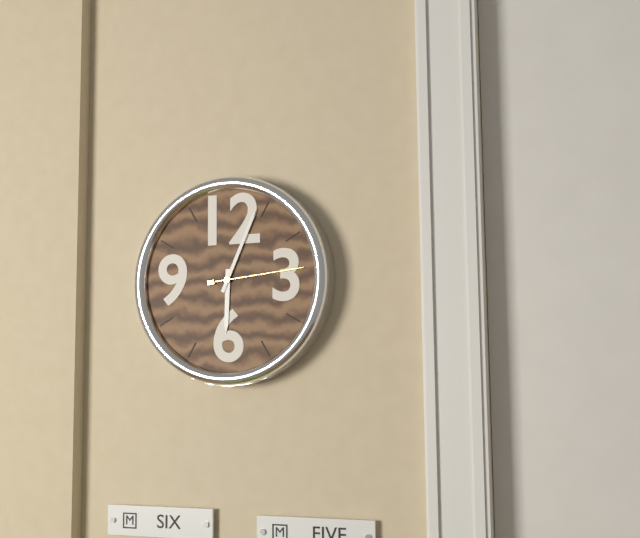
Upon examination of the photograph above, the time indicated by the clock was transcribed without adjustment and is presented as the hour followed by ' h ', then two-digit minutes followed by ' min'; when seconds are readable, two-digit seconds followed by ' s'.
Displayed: 6 h 04 min 14 s
